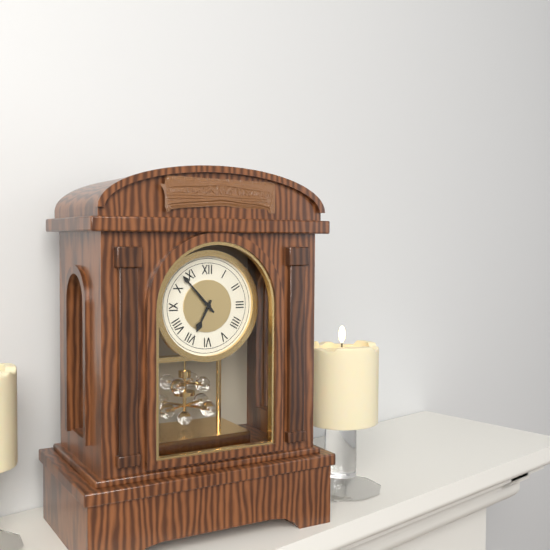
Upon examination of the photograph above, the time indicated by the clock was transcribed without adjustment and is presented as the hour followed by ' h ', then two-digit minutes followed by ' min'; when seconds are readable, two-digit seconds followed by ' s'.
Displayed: 6 h 53 min
